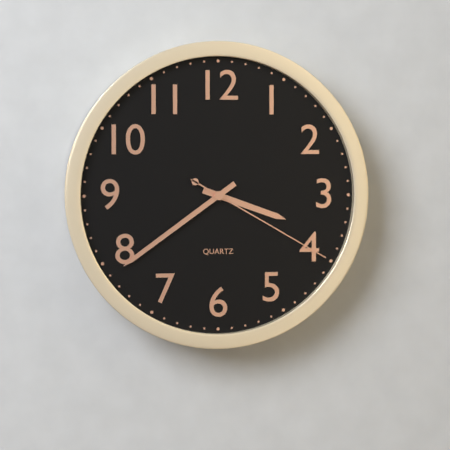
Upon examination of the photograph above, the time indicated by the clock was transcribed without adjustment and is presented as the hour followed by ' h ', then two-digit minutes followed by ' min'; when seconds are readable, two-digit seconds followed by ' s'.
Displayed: 3 h 39 min 20 s
